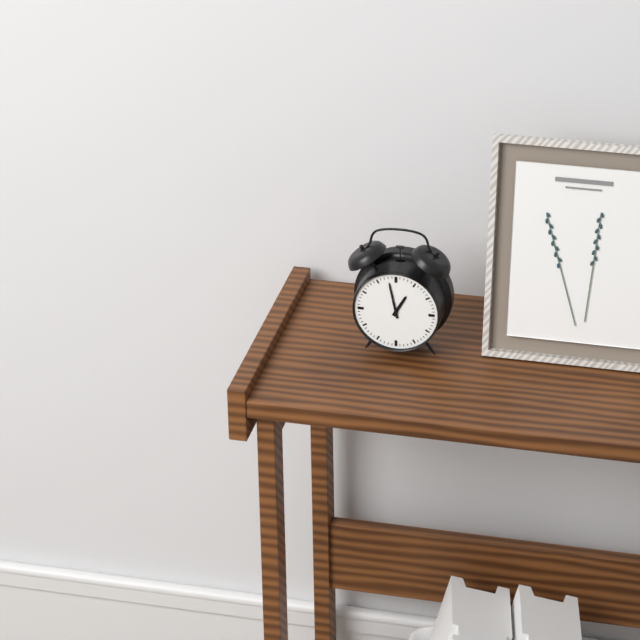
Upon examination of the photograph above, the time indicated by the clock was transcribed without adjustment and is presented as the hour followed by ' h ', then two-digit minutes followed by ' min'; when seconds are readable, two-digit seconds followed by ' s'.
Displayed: 12 h 58 min
